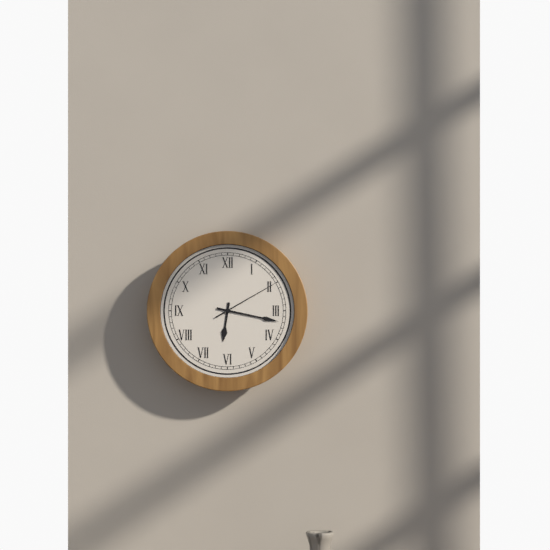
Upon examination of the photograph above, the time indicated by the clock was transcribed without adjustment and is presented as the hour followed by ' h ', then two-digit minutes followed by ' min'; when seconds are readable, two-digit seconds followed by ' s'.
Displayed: 6 h 17 min 10 s
